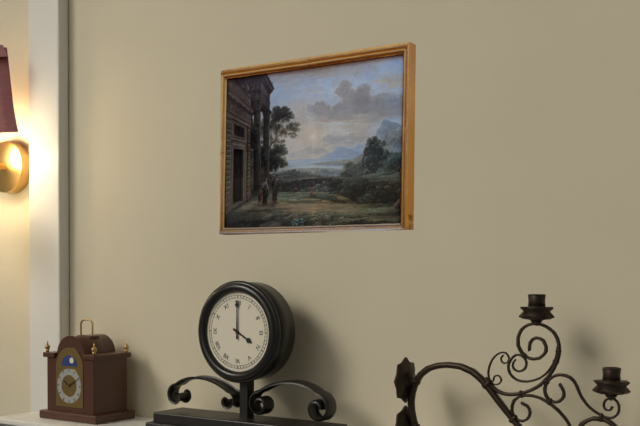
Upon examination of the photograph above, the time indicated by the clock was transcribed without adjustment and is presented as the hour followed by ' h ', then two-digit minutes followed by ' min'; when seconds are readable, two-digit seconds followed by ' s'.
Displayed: 4 h 00 min
